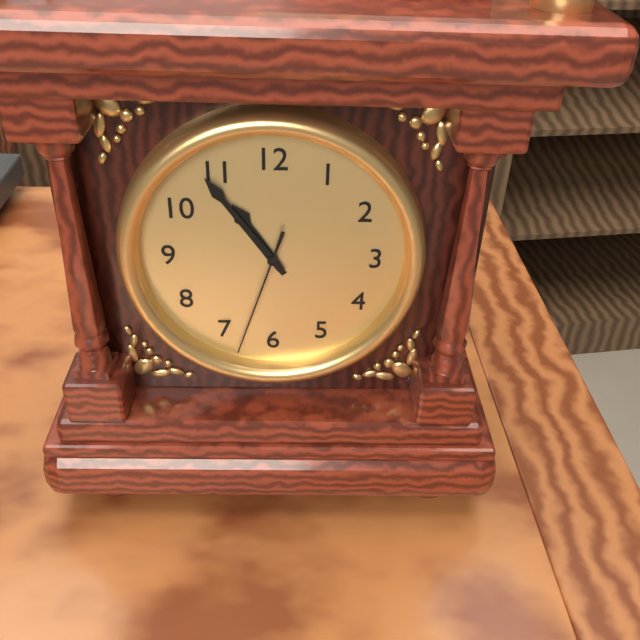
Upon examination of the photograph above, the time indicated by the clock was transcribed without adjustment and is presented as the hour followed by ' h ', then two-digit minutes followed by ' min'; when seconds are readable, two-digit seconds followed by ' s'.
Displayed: 10 h 54 min 33 s
